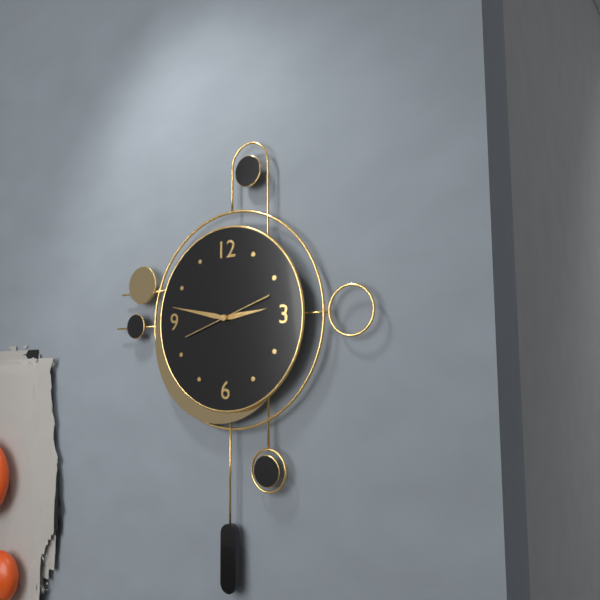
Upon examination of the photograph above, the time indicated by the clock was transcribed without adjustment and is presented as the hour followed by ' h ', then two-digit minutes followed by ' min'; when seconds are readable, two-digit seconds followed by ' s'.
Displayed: 2 h 47 min
